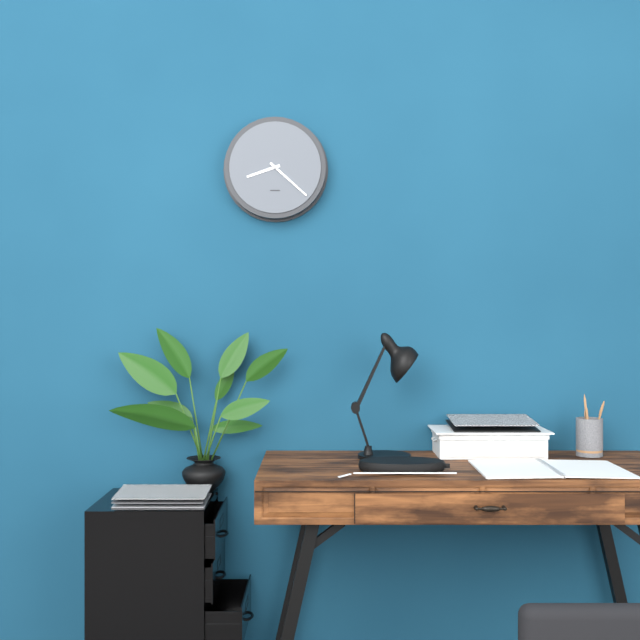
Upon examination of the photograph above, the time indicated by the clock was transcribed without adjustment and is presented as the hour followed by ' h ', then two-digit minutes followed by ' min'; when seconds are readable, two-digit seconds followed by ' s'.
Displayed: 8 h 22 min
